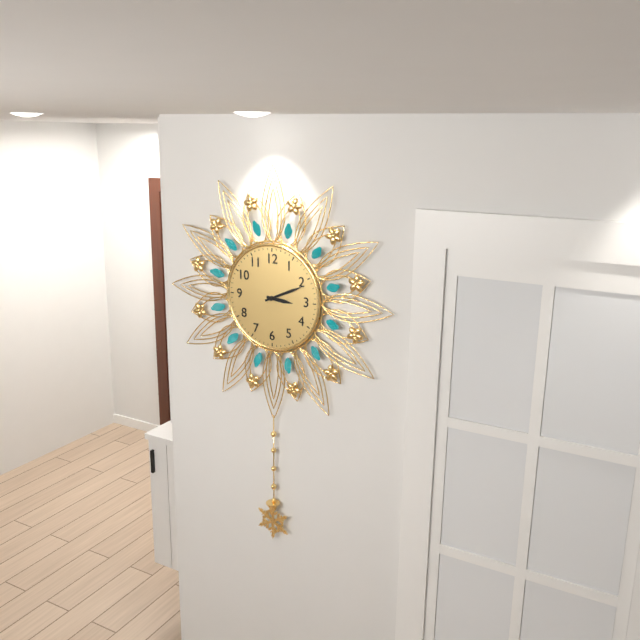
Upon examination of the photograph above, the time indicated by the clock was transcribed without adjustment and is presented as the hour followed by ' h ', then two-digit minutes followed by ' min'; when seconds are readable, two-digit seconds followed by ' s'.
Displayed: 3 h 11 min
